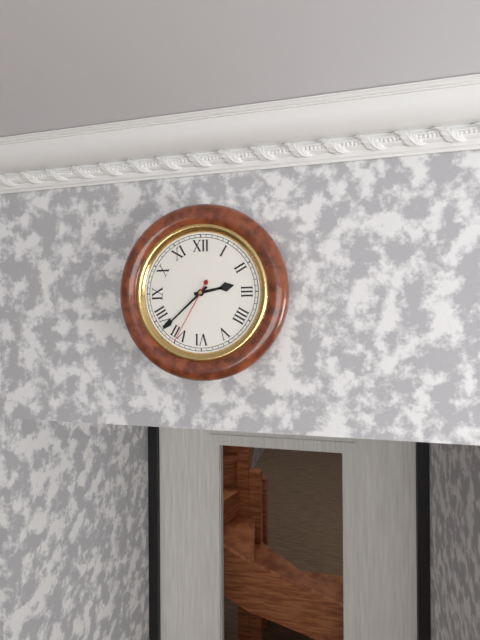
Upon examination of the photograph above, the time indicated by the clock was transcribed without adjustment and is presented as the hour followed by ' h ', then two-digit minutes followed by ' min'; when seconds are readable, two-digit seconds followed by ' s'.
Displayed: 2 h 38 min 35 s
